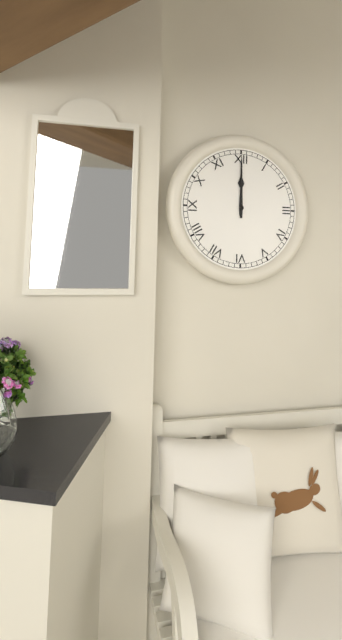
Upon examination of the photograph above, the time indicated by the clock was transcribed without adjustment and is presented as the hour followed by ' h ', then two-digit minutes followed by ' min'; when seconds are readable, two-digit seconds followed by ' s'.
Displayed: 12 h 00 min
